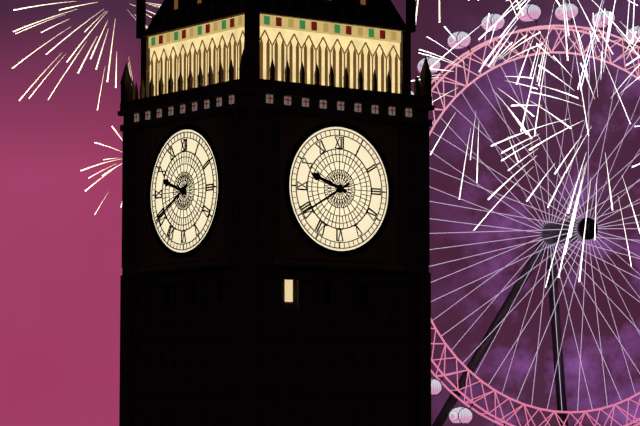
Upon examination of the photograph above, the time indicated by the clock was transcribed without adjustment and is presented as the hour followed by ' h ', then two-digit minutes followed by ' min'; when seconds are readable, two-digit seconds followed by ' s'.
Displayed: 9 h 40 min
